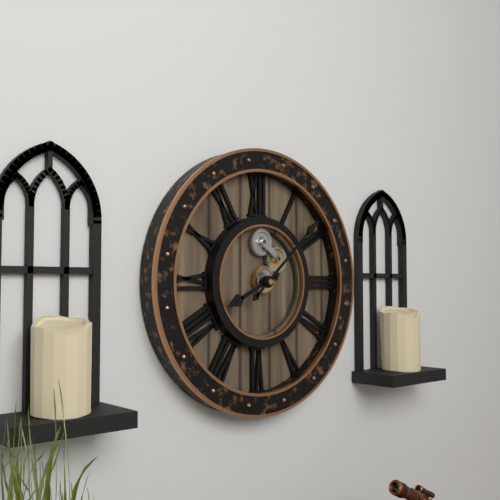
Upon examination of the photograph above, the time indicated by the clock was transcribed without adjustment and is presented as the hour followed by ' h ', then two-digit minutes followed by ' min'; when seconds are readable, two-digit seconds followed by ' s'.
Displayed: 8 h 08 min
